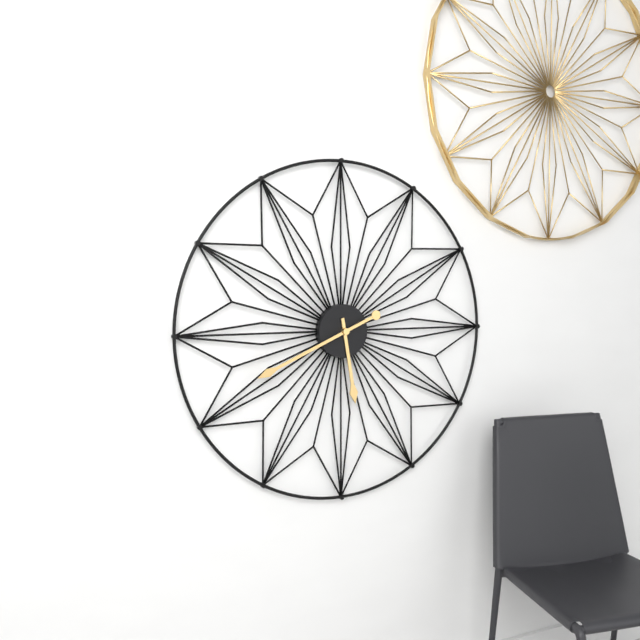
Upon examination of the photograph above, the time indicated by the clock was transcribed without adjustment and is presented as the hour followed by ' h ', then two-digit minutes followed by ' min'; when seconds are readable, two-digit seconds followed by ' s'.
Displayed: 5 h 41 min
